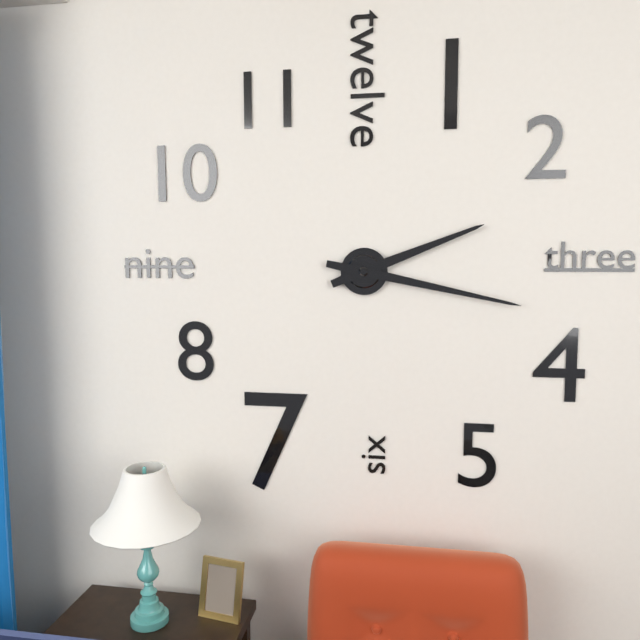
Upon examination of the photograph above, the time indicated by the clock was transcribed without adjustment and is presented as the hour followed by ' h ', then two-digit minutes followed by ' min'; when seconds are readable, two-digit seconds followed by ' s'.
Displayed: 2 h 17 min
